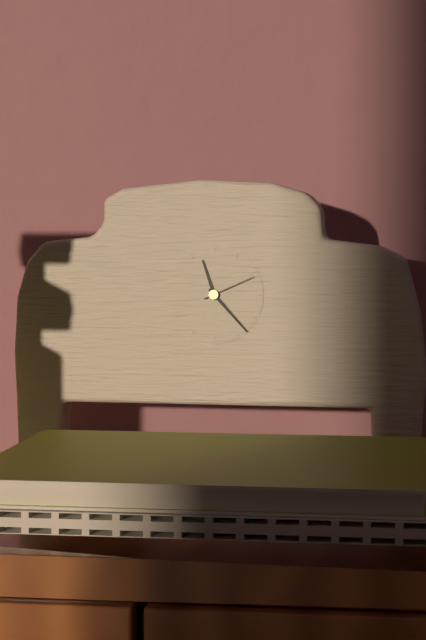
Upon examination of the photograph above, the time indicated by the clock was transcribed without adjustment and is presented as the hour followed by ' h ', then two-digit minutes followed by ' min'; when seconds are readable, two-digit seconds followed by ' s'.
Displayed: 11 h 23 min 11 s
